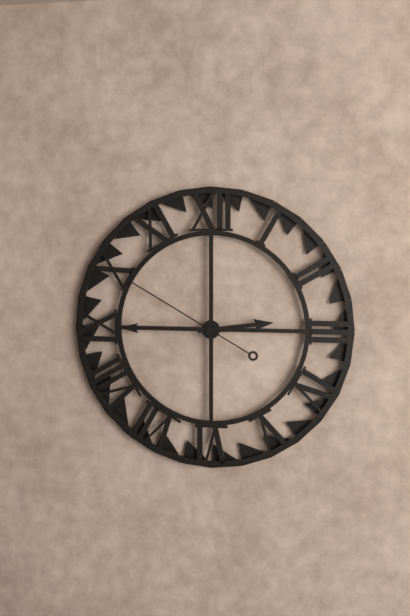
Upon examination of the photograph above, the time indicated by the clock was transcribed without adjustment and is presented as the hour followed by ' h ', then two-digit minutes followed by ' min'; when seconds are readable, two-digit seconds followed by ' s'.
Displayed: 2 h 45 min 50 s
